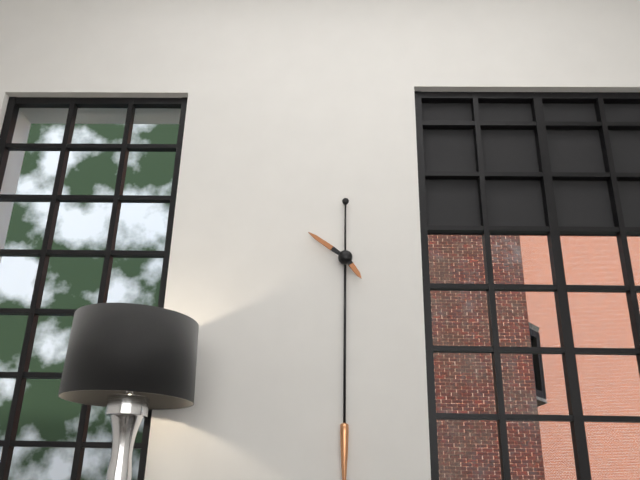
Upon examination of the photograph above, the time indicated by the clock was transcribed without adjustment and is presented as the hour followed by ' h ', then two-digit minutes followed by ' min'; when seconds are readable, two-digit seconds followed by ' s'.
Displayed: 4 h 51 min
